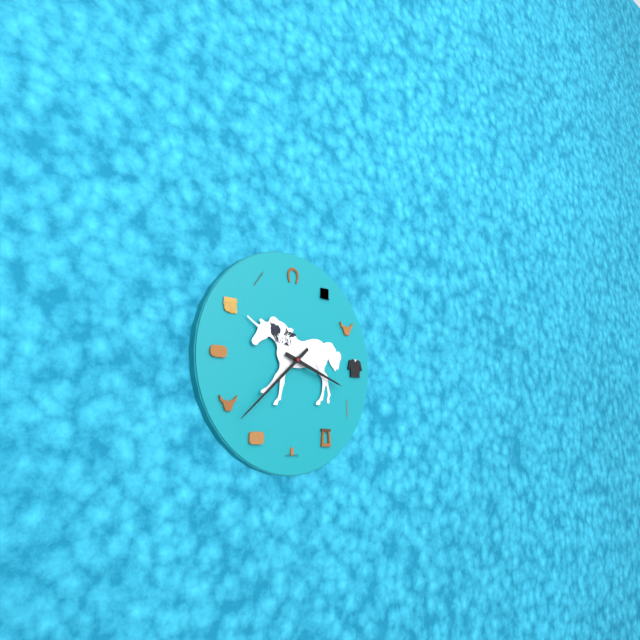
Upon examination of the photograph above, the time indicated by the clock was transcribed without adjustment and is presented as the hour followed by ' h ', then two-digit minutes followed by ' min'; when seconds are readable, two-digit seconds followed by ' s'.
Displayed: 3 h 38 min
